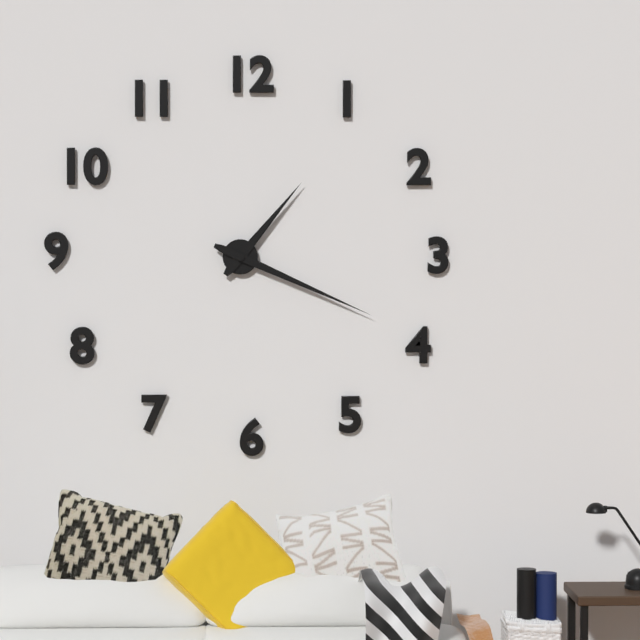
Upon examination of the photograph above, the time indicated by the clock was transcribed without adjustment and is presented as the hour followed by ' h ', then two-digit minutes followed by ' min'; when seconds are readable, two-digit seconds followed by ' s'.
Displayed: 1 h 19 min
